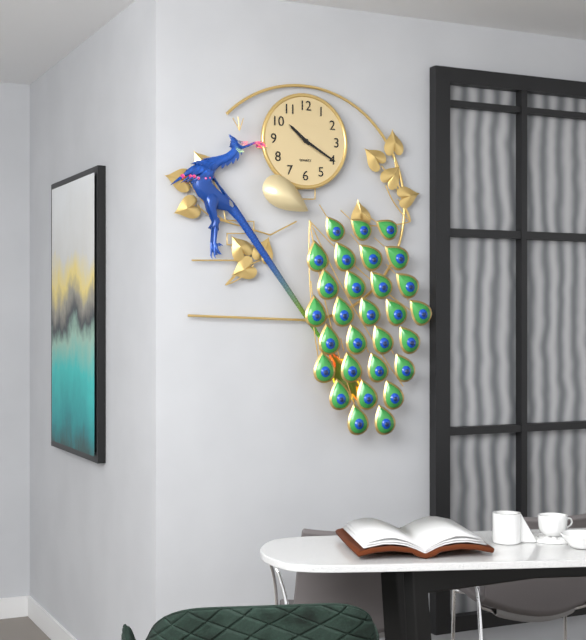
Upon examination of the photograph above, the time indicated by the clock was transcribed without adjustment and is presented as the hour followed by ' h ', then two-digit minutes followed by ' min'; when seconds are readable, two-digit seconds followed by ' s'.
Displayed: 10 h 20 min
